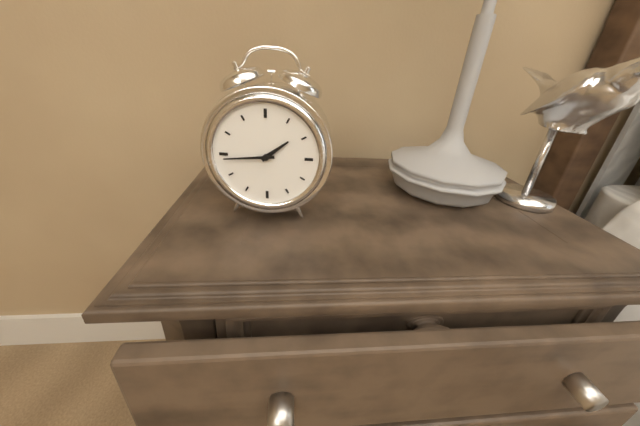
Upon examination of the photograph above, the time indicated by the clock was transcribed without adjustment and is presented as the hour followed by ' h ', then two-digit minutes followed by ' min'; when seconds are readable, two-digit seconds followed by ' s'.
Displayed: 1 h 44 min
